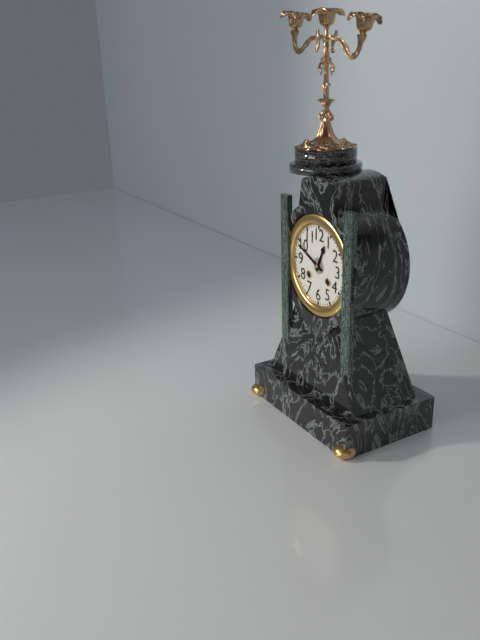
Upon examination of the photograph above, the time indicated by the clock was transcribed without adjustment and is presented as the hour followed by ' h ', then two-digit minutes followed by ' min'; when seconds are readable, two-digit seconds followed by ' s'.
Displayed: 12 h 49 min
